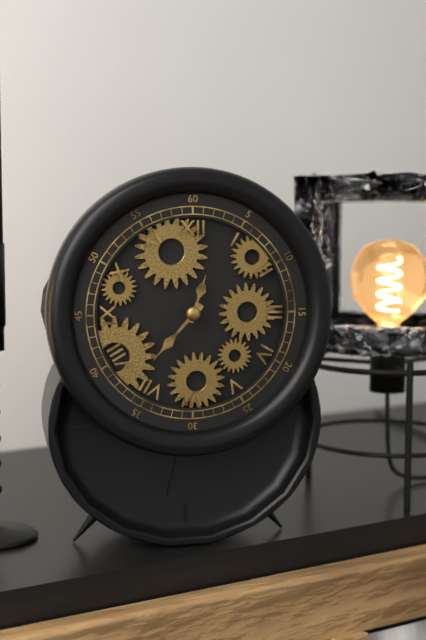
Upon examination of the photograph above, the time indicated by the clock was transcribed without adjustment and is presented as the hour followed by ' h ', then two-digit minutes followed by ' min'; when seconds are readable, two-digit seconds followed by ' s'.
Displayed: 12 h 37 min
